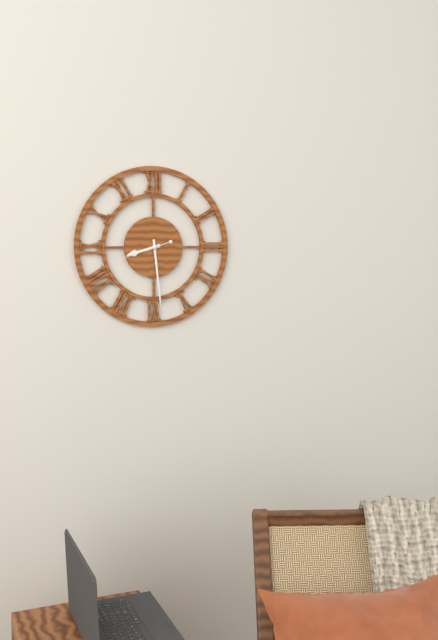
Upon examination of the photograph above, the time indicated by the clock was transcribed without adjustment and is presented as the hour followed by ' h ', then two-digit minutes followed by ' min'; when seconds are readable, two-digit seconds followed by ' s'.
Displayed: 8 h 29 min
